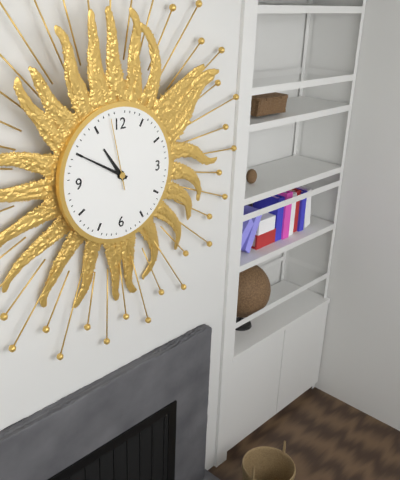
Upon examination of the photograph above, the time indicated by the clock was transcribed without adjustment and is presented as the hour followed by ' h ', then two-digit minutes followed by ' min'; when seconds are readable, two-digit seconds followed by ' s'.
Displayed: 10 h 50 min 58 s
